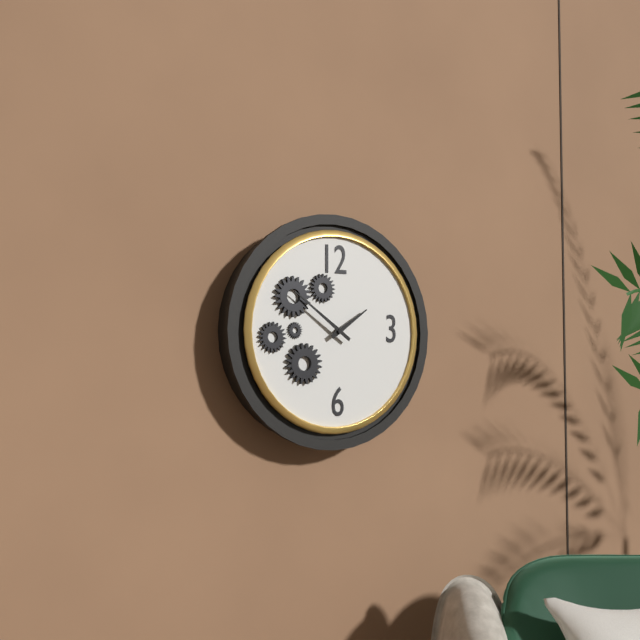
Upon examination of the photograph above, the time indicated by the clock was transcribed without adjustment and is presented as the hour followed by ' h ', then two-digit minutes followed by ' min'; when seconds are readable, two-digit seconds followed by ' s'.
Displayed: 1 h 51 min
